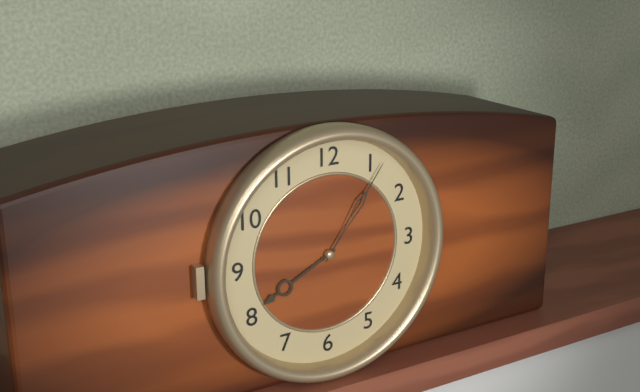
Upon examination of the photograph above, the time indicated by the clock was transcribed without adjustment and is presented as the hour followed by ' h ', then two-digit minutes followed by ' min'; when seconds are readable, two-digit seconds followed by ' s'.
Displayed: 8 h 06 min
